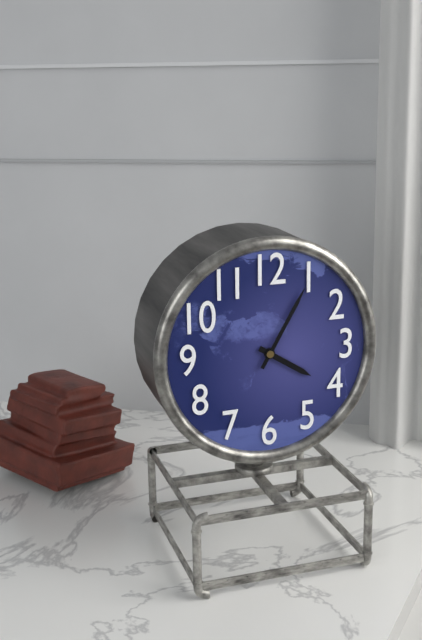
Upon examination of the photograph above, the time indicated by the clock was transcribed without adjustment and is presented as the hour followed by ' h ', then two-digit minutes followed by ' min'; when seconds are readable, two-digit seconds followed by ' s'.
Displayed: 4 h 05 min
